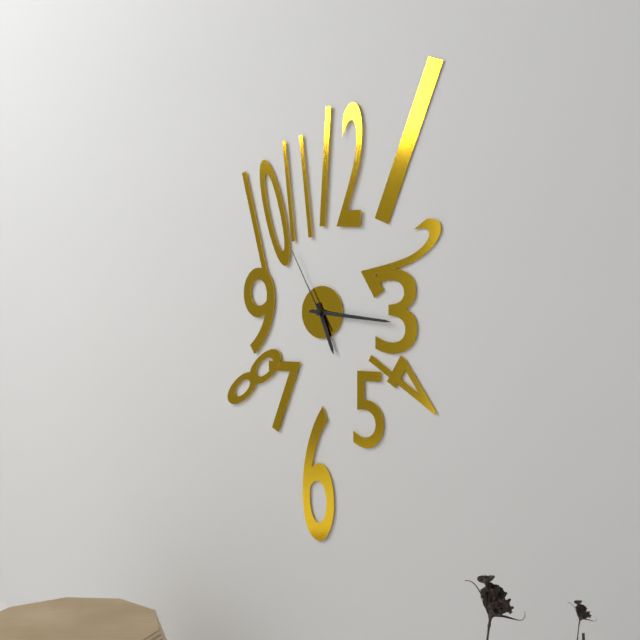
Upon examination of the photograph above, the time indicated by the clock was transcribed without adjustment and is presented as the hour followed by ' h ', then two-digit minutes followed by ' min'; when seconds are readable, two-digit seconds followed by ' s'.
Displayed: 5 h 16 min 55 s
